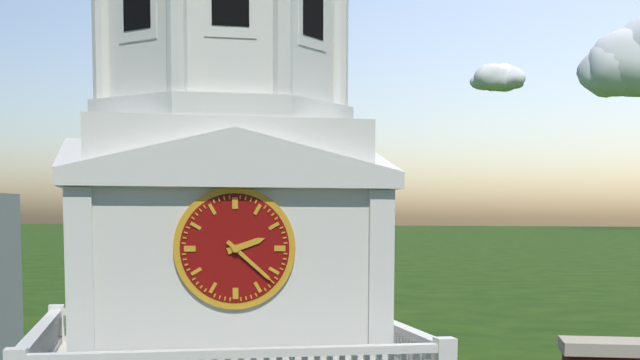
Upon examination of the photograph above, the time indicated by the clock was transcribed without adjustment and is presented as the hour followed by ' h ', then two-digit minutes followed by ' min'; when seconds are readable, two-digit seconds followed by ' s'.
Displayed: 2 h 22 min
